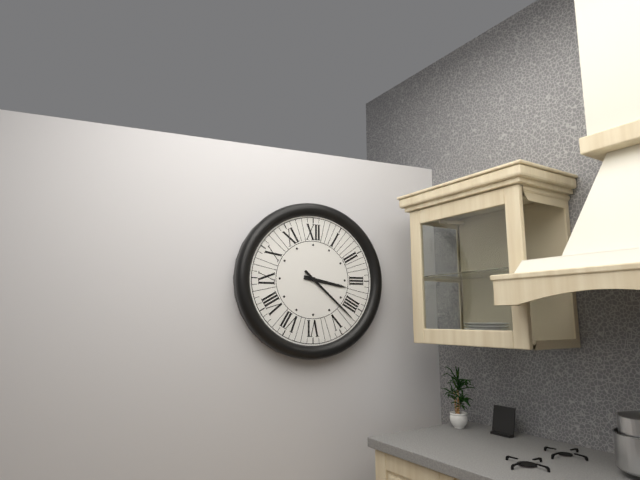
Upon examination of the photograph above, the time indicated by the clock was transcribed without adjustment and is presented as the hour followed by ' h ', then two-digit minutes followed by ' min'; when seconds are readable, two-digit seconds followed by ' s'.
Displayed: 3 h 22 min
